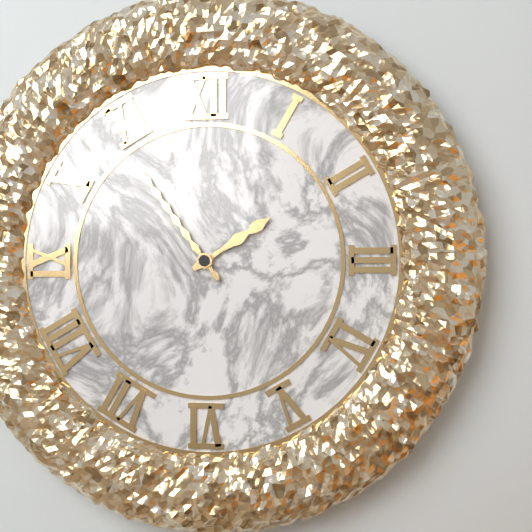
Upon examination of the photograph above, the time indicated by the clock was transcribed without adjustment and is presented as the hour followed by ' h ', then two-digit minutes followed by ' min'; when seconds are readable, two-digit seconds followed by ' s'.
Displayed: 1 h 54 min
